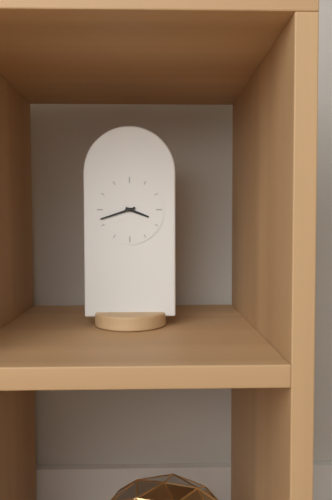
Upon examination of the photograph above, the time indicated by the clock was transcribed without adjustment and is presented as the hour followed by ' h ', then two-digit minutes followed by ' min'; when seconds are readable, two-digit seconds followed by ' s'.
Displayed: 3 h 42 min
